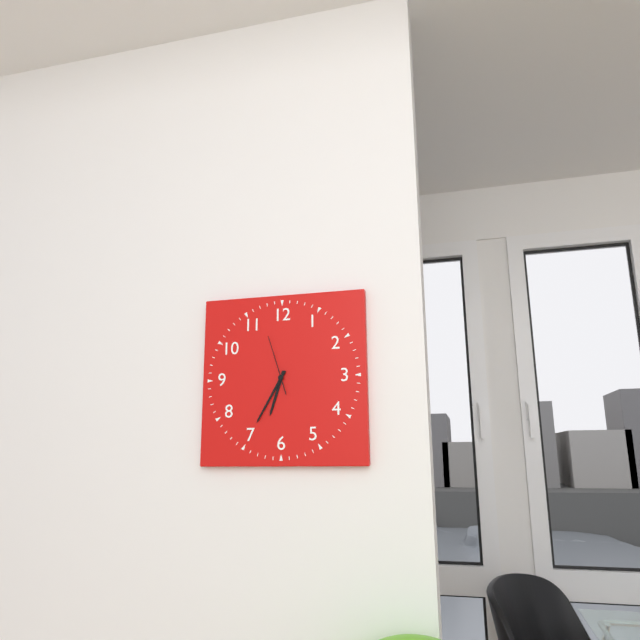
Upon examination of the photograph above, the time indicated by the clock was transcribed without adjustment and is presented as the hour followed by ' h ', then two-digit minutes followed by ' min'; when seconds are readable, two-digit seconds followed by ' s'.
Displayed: 6 h 35 min 57 s
